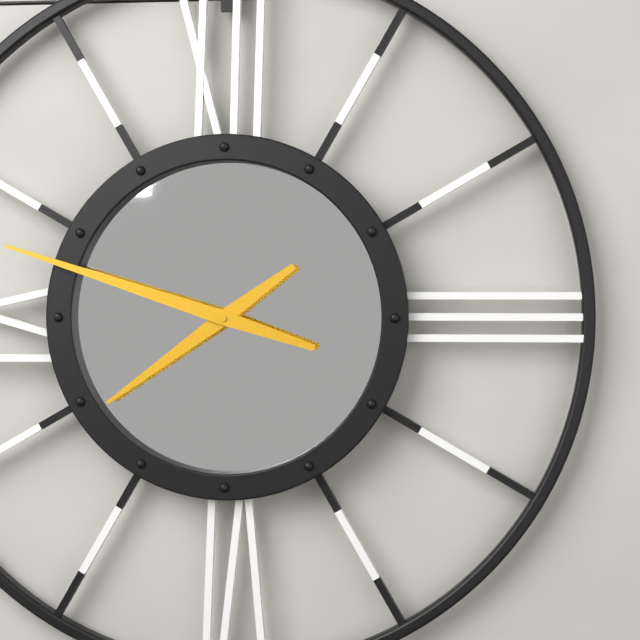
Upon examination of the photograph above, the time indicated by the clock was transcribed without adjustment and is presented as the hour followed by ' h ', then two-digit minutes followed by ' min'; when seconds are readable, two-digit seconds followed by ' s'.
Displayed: 7 h 48 min
